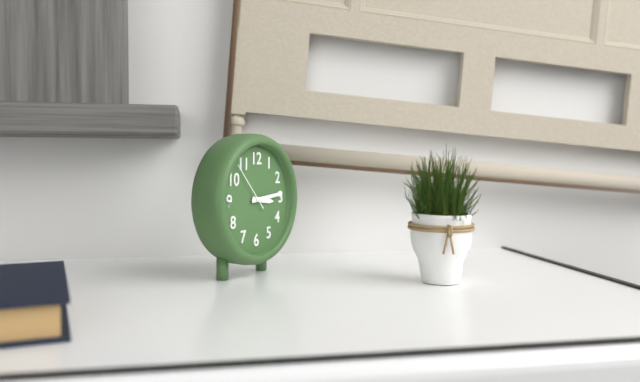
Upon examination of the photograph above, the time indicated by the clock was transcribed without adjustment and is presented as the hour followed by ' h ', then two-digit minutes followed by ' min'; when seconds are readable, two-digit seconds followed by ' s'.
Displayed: 3 h 14 min 53 s
